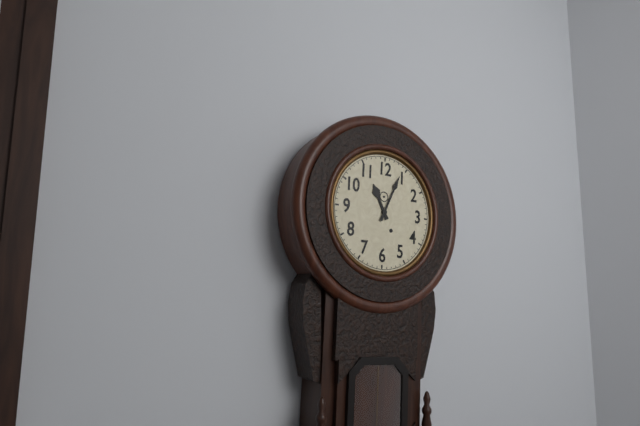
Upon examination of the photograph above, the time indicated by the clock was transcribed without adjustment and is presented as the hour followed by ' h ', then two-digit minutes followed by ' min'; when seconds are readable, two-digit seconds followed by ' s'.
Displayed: 11 h 04 min
